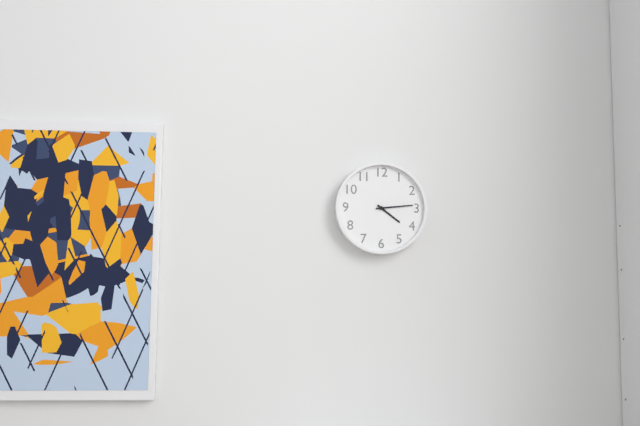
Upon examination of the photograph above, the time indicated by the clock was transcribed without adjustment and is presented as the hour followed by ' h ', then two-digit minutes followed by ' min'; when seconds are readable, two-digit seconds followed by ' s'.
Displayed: 4 h 14 min
